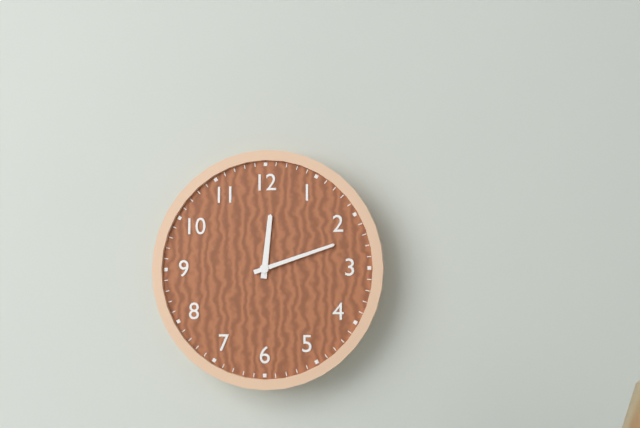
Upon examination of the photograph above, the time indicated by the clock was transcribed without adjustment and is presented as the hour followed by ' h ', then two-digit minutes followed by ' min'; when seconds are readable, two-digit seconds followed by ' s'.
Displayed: 12 h 12 min
